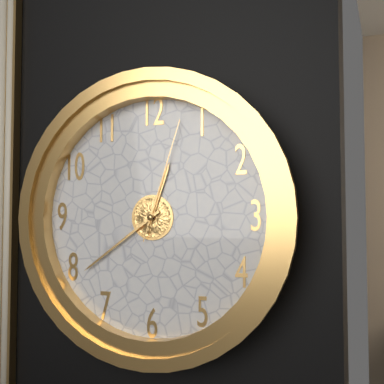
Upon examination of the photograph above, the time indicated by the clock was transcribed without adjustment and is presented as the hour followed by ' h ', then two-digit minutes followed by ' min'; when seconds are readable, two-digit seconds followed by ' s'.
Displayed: 12 h 39 min 03 s
